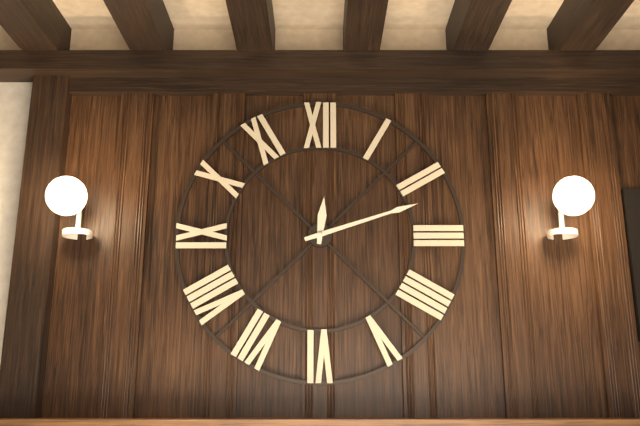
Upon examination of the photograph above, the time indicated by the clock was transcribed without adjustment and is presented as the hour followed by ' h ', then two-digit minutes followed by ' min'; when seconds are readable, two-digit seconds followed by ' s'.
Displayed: 12 h 12 min
